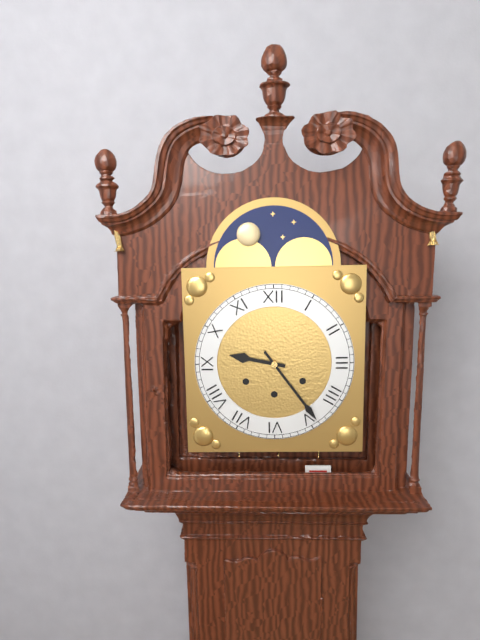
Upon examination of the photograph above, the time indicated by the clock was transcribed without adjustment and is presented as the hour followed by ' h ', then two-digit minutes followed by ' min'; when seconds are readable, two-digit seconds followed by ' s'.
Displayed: 9 h 24 min
